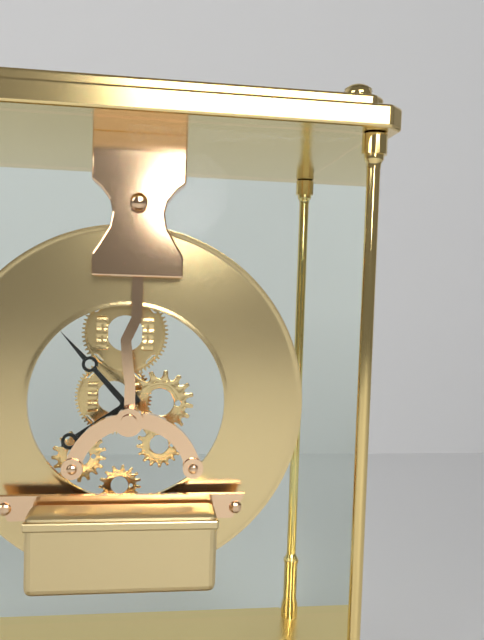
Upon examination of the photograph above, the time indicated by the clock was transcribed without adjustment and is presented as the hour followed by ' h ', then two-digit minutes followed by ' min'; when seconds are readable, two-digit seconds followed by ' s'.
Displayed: 7 h 53 min
